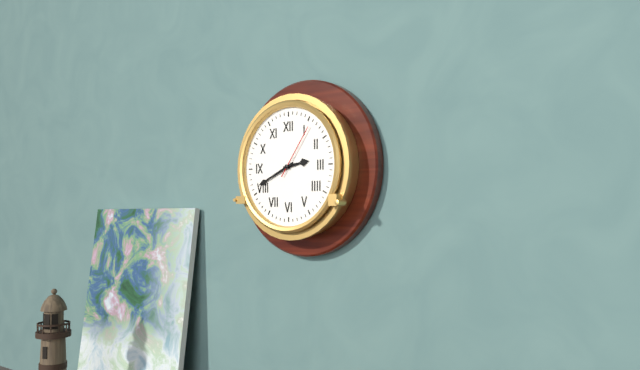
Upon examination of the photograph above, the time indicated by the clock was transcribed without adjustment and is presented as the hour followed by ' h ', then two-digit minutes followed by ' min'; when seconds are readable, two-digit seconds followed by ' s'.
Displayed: 2 h 41 min 06 s
